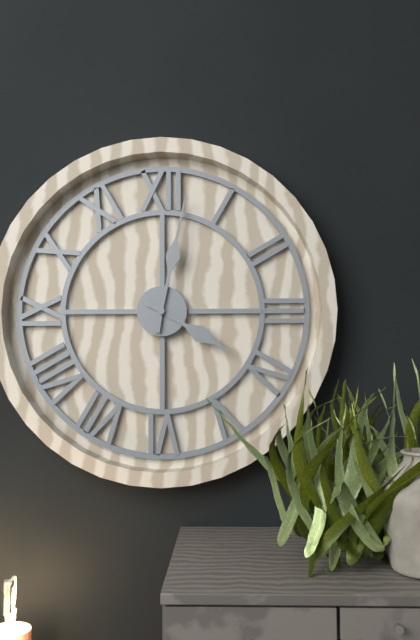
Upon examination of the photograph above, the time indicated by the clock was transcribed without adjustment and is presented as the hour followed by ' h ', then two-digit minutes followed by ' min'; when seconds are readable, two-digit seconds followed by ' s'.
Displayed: 4 h 02 min
